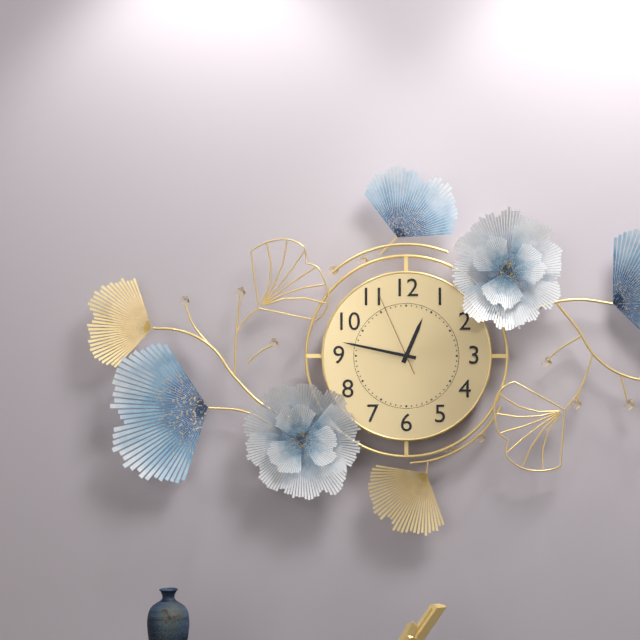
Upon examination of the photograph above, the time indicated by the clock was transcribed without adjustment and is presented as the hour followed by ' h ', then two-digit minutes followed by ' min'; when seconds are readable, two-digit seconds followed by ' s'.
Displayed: 12 h 47 min 56 s
